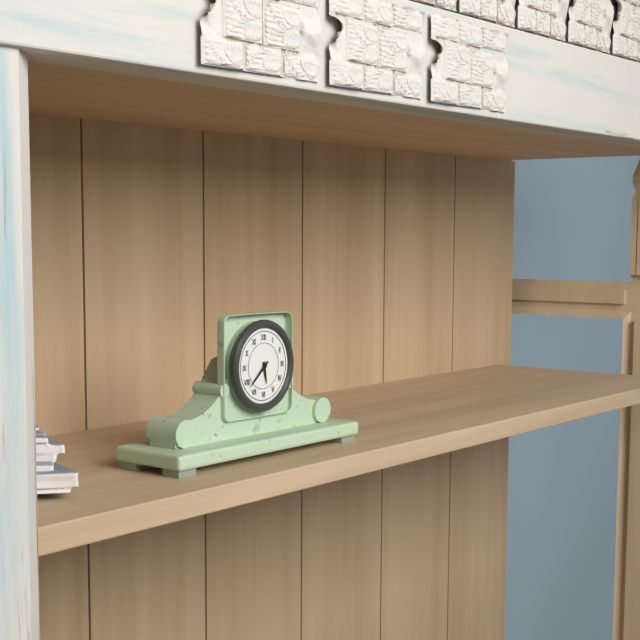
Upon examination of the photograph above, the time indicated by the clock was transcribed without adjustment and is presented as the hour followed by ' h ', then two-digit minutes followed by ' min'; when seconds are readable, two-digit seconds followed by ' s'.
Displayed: 5 h 38 min
